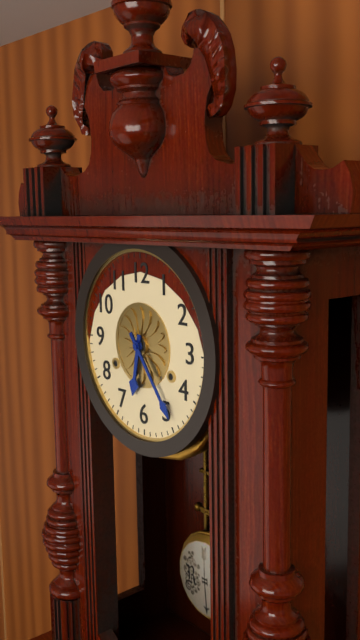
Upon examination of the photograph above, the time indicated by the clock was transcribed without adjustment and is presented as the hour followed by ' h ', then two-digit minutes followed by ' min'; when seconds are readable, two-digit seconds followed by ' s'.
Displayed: 6 h 24 min
